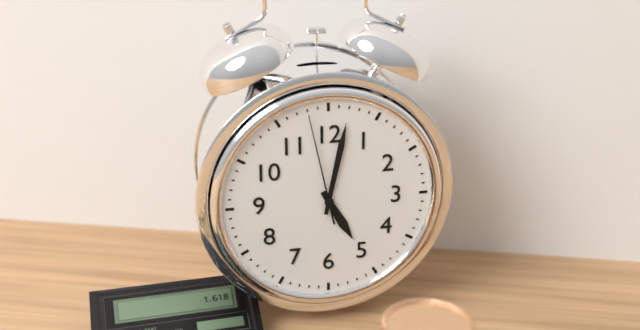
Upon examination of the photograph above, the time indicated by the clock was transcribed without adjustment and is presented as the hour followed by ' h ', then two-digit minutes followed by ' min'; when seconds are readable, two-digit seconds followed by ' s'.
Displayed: 5 h 02 min 58 s
